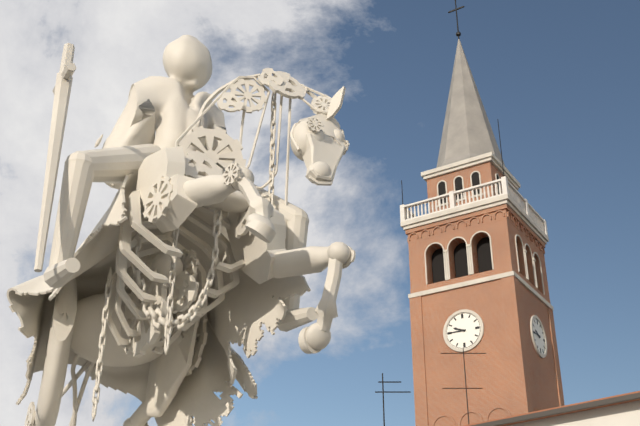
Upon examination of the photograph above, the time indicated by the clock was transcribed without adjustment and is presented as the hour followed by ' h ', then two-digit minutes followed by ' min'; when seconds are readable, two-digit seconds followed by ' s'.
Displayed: 9 h 45 min
